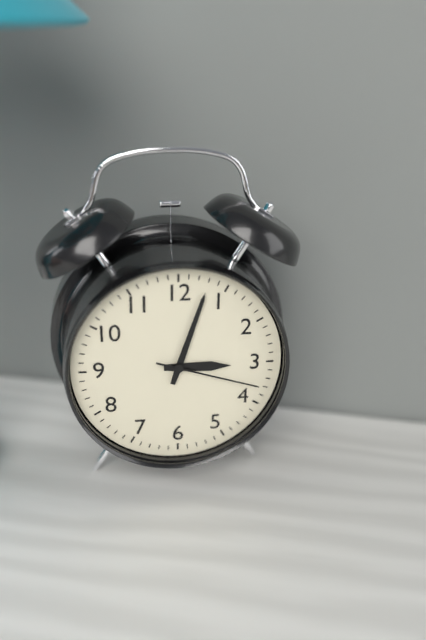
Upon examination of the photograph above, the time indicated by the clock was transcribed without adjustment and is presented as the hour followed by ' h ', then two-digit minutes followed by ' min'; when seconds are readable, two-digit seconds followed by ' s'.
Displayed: 3 h 03 min 18 s
